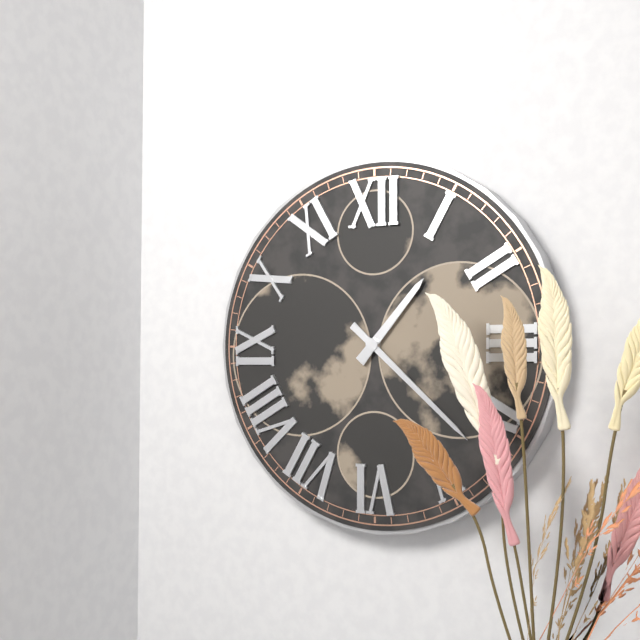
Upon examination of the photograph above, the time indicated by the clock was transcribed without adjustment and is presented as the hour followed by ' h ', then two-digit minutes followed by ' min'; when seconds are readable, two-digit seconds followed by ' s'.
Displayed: 1 h 22 min
